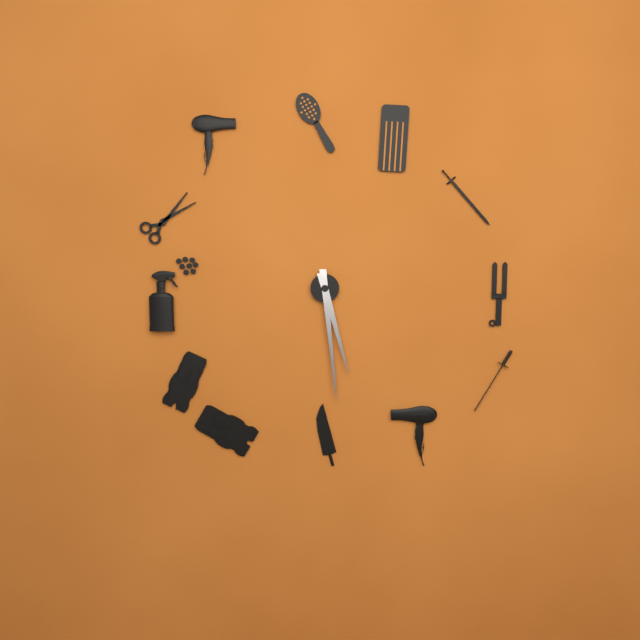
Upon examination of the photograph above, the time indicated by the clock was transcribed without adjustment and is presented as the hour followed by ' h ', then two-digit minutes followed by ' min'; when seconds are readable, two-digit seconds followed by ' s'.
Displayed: 5 h 29 min
